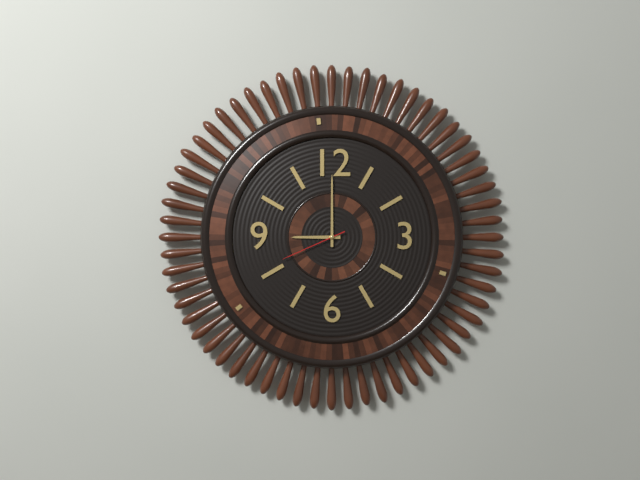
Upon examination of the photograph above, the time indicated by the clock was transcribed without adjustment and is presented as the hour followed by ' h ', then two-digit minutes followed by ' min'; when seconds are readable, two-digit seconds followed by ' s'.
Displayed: 9 h 00 min 41 s
